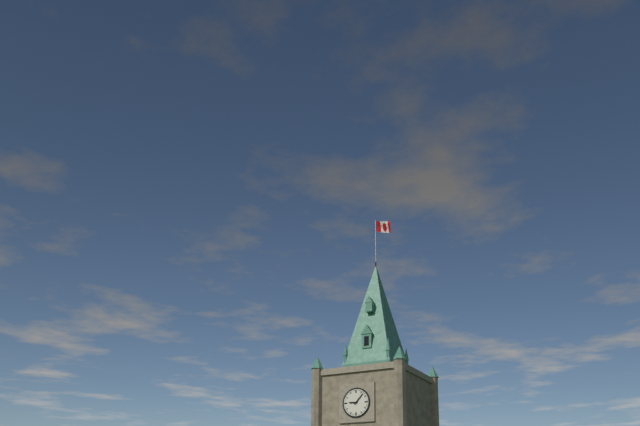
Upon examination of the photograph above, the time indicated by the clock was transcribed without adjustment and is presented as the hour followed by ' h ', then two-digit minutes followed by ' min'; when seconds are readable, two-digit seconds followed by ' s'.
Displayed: 9 h 07 min
